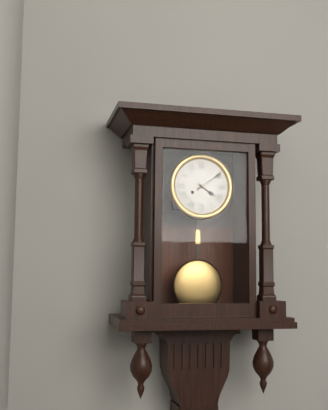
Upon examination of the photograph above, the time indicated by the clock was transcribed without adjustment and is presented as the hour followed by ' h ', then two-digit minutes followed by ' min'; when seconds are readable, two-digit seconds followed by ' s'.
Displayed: 4 h 09 min
